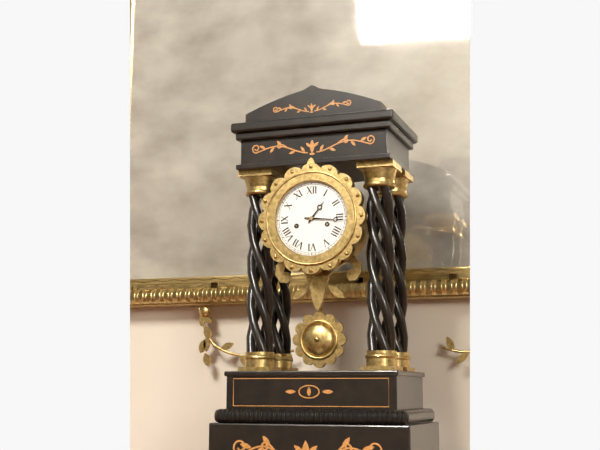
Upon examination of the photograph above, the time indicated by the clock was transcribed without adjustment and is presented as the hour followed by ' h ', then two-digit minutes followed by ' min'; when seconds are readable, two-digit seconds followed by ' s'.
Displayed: 1 h 16 min
